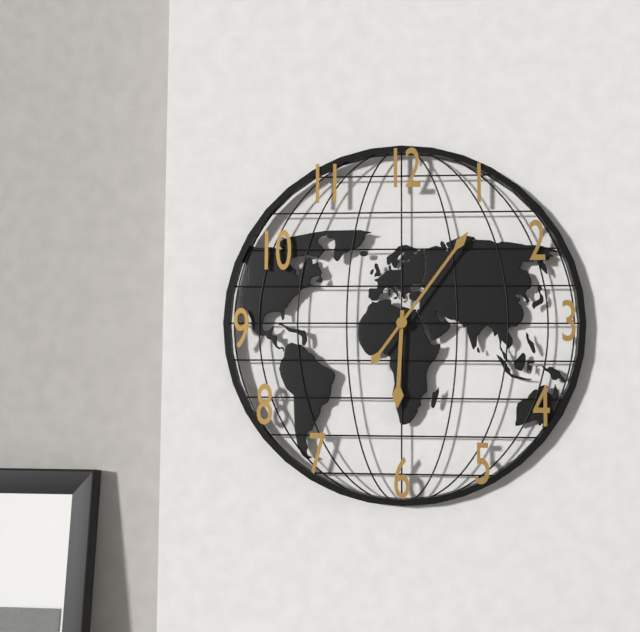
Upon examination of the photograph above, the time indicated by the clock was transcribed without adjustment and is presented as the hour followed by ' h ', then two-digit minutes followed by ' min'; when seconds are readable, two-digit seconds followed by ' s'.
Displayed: 6 h 06 min
